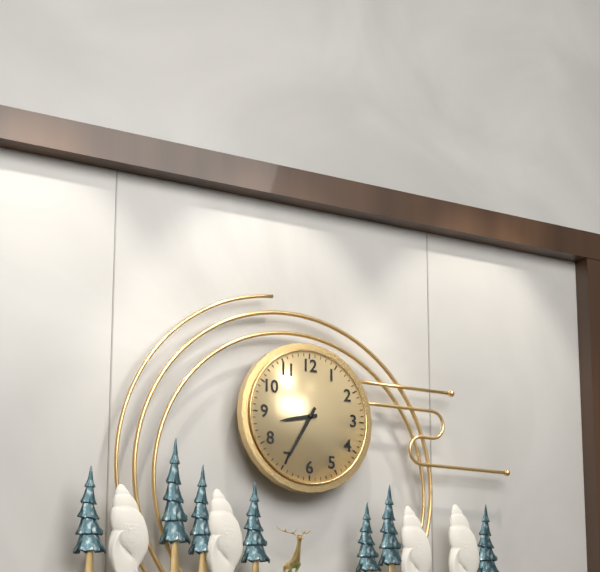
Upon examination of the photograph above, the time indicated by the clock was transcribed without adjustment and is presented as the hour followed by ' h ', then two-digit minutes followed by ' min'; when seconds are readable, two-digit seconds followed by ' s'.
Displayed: 8 h 35 min
